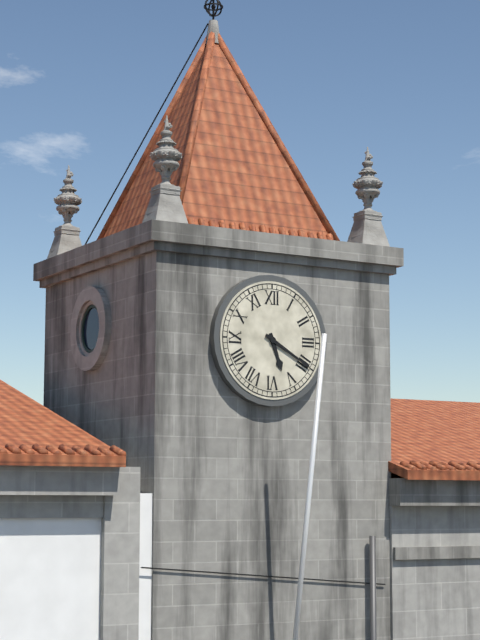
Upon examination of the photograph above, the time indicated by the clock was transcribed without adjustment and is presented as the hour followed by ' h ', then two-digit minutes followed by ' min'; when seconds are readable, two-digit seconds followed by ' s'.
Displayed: 5 h 20 min
